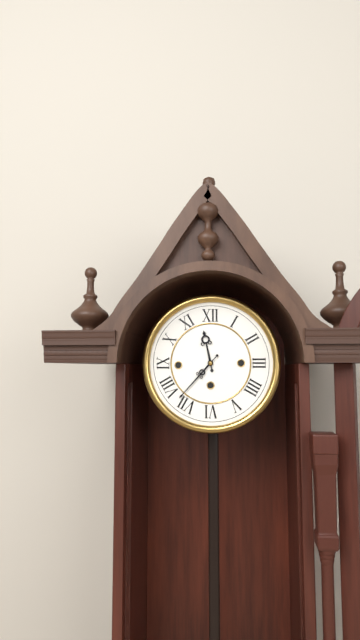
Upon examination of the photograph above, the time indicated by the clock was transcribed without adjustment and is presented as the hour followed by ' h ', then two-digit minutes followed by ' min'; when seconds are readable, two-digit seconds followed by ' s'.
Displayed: 11 h 37 min
